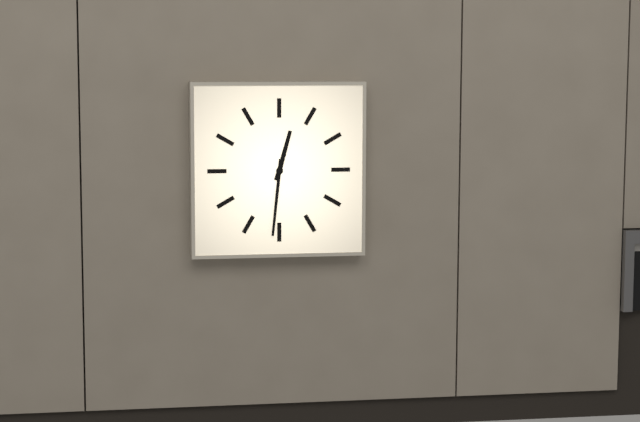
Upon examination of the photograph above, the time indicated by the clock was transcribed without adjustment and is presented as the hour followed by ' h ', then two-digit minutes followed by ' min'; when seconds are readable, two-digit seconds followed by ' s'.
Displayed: 12 h 31 min
